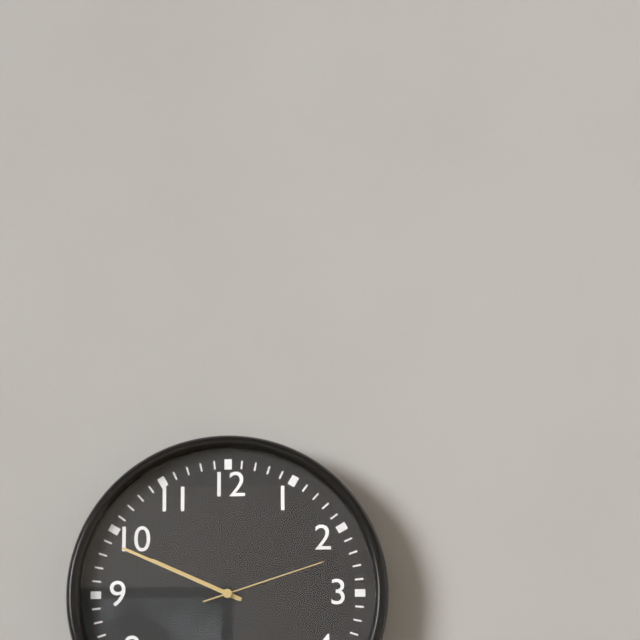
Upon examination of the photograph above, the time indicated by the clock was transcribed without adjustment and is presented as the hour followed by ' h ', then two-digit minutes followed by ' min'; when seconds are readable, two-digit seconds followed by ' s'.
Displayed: 9 h 49 min 12 s
